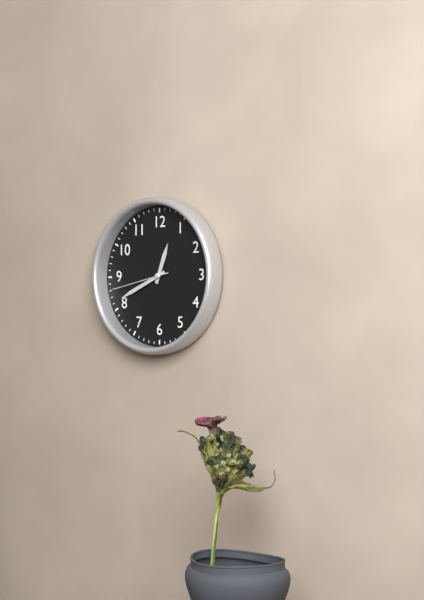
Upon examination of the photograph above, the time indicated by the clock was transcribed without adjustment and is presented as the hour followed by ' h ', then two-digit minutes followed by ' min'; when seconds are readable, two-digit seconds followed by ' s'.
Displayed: 12 h 41 min 43 s
